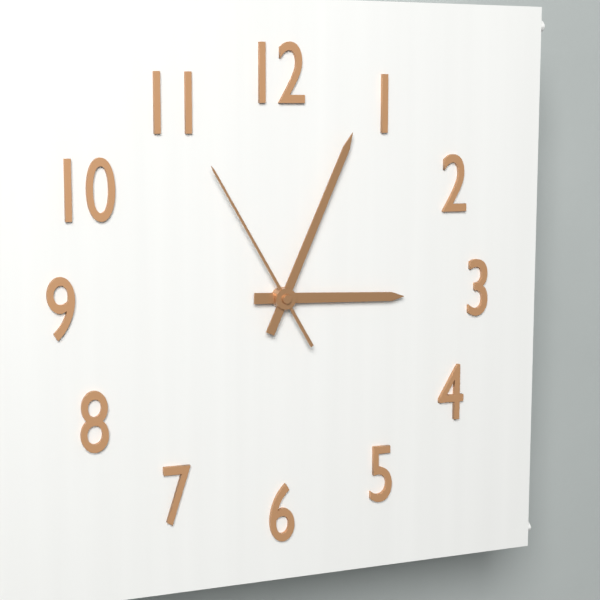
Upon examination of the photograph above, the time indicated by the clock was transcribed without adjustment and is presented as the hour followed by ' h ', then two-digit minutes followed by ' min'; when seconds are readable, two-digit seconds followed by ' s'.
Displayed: 3 h 04 min 55 s
